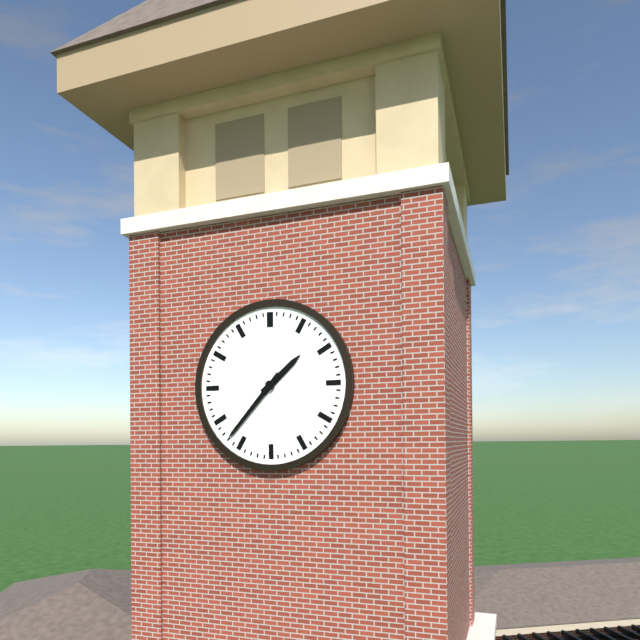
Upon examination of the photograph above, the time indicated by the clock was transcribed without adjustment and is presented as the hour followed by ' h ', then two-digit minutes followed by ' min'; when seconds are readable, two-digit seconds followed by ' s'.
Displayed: 1 h 37 min
